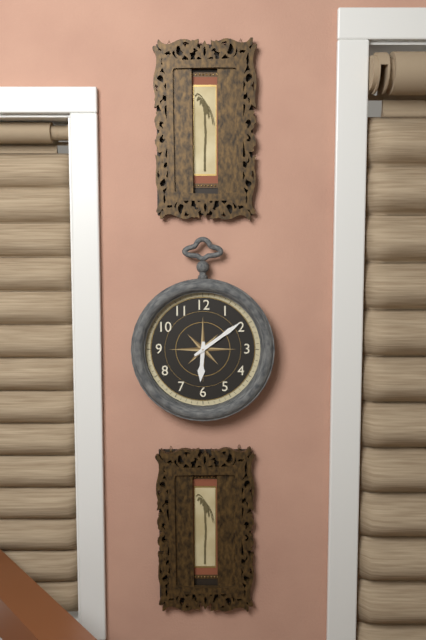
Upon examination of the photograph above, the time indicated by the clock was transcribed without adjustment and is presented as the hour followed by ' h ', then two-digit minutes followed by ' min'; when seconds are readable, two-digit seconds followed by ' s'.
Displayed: 6 h 09 min
